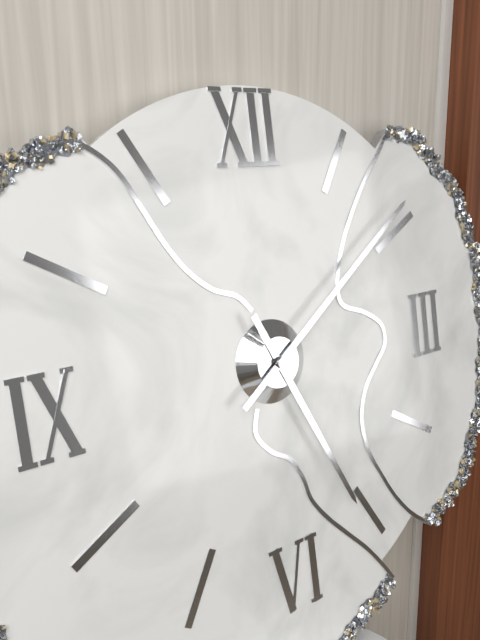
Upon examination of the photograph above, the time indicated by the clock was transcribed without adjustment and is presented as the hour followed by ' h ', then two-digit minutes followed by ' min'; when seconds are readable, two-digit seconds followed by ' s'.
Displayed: 5 h 09 min
